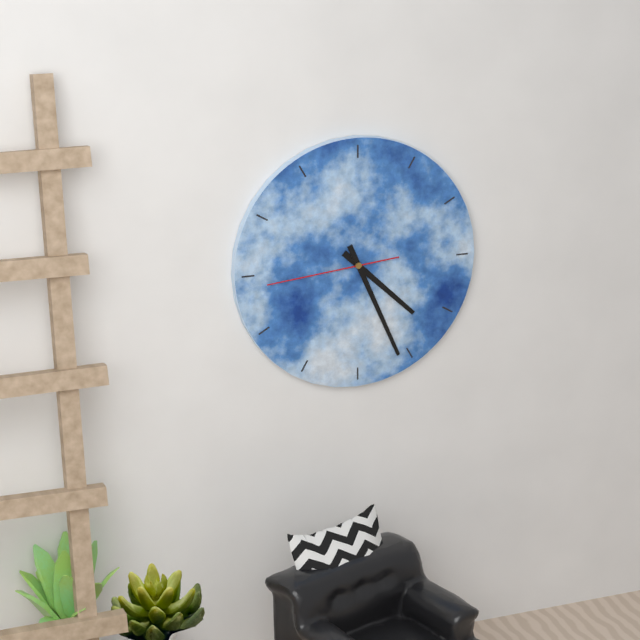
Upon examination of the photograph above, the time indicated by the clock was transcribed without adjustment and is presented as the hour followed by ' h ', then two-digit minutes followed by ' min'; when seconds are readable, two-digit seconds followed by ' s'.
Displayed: 4 h 26 min 44 s
